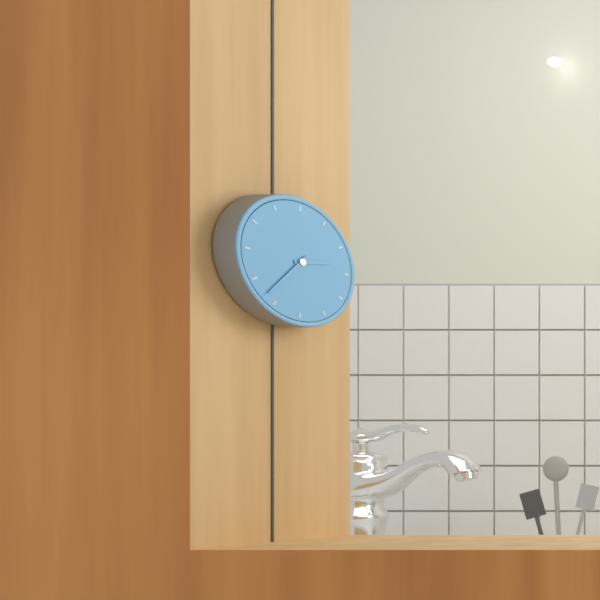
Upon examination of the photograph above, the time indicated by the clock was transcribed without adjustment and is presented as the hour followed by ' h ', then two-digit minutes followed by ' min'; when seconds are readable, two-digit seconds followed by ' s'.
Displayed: 2 h 37 min
